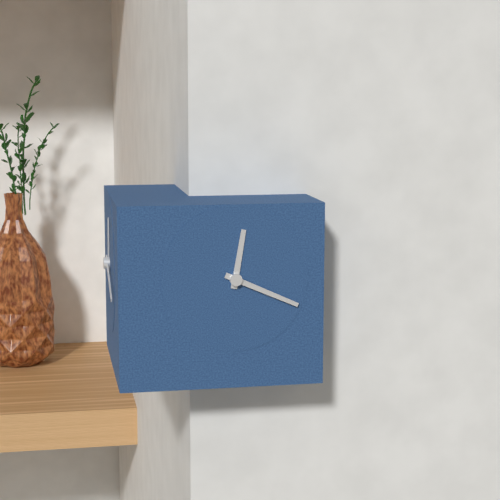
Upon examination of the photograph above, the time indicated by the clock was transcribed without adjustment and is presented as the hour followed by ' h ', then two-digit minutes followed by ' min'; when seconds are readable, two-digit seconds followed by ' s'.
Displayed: 12 h 19 min
